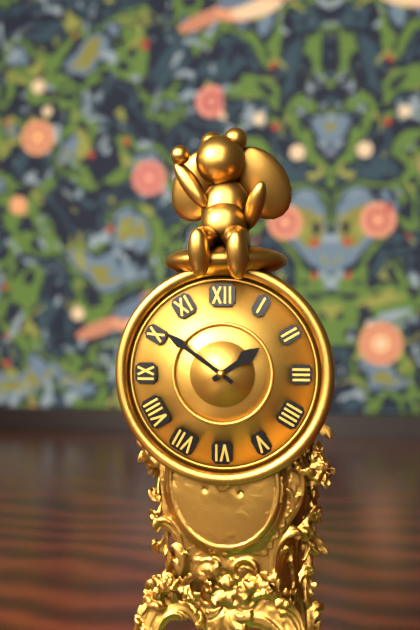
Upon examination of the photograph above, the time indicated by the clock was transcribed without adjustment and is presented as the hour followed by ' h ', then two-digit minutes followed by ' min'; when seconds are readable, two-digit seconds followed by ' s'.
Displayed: 1 h 51 min
